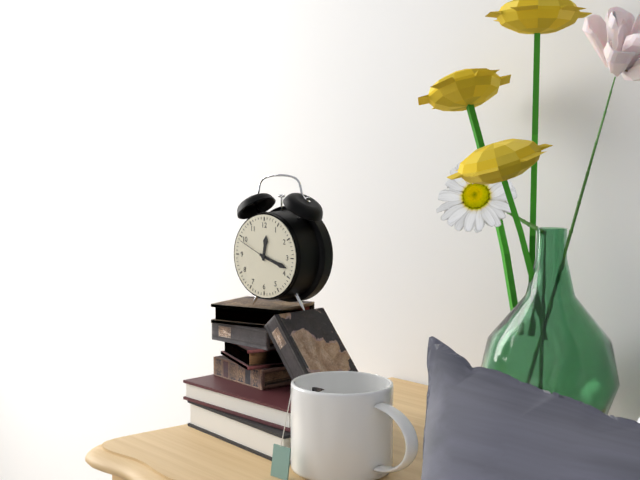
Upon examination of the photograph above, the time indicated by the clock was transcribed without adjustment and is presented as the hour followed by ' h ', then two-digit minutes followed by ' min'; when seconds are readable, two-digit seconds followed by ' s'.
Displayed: 12 h 18 min
